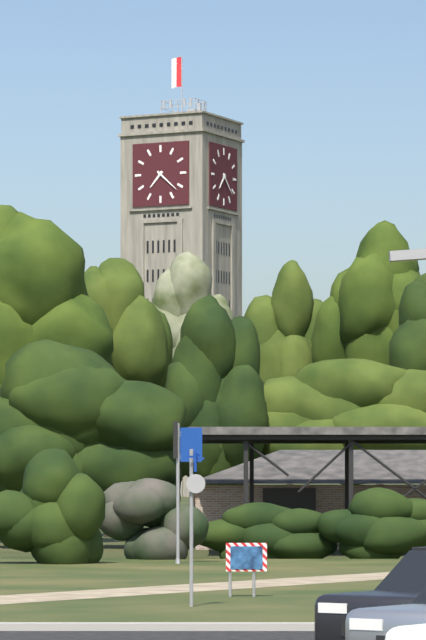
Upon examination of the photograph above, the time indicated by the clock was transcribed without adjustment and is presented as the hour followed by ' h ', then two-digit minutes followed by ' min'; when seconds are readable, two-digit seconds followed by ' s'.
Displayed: 7 h 22 min
